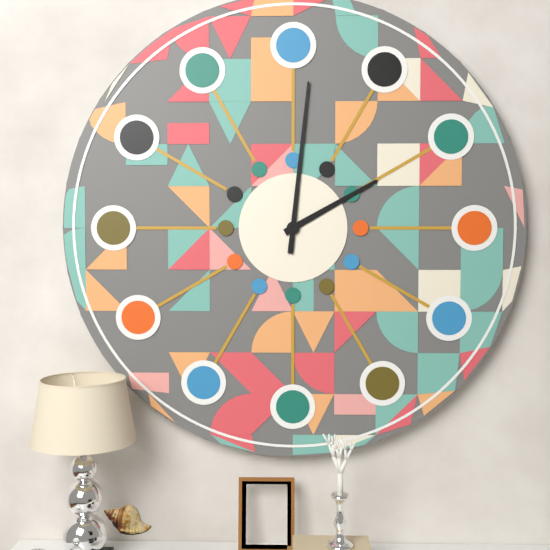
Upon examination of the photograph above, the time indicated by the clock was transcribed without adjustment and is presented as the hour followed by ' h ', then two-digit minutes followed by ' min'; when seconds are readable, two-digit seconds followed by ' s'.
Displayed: 2 h 01 min
